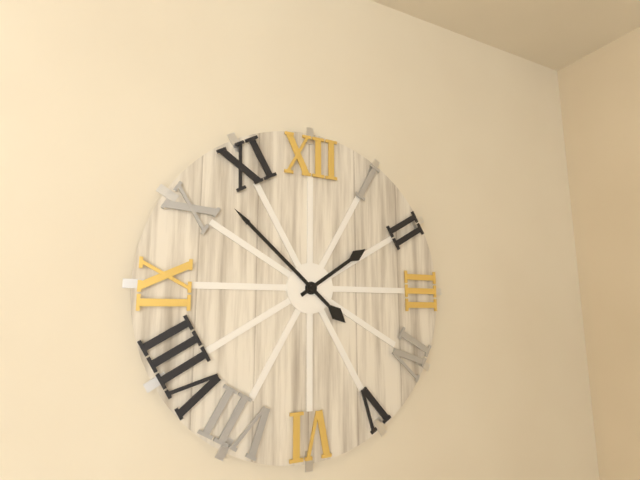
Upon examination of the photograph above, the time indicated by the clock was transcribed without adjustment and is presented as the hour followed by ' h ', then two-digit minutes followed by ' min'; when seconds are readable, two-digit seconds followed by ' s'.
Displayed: 1 h 52 min
